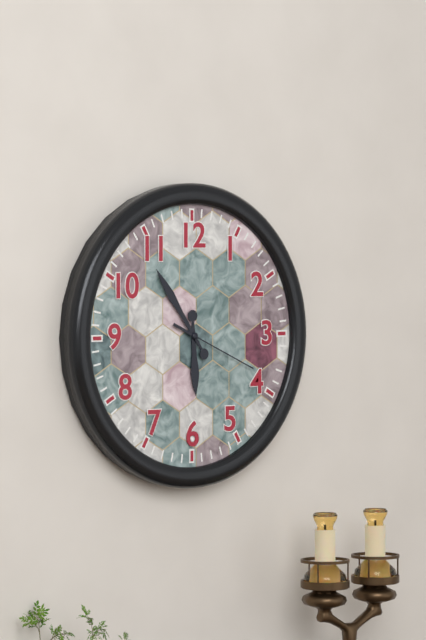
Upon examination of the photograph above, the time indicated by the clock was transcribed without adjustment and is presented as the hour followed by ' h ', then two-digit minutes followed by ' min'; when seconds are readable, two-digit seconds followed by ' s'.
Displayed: 5 h 54 min 19 s
